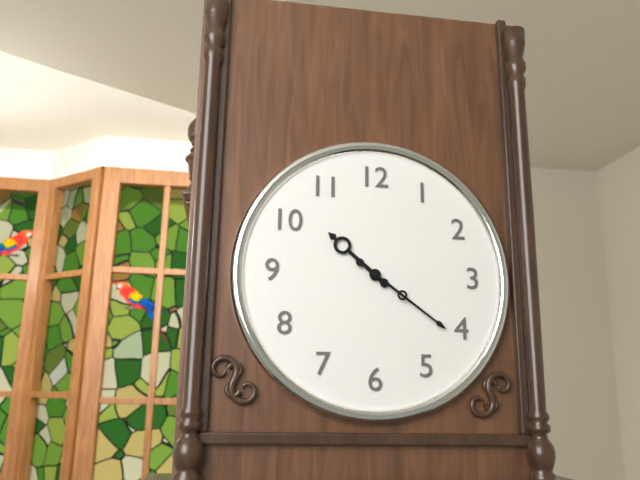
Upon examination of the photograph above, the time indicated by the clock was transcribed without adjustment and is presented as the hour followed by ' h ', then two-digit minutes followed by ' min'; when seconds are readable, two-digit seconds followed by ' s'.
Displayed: 10 h 21 min
